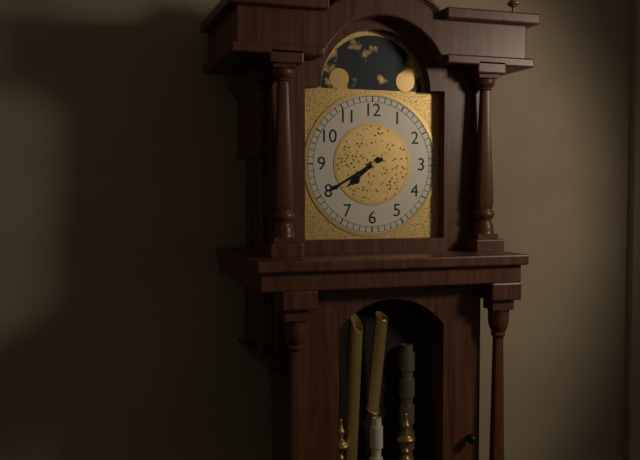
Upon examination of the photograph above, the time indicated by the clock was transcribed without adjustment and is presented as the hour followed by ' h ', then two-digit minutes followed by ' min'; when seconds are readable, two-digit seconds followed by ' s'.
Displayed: 7 h 40 min
